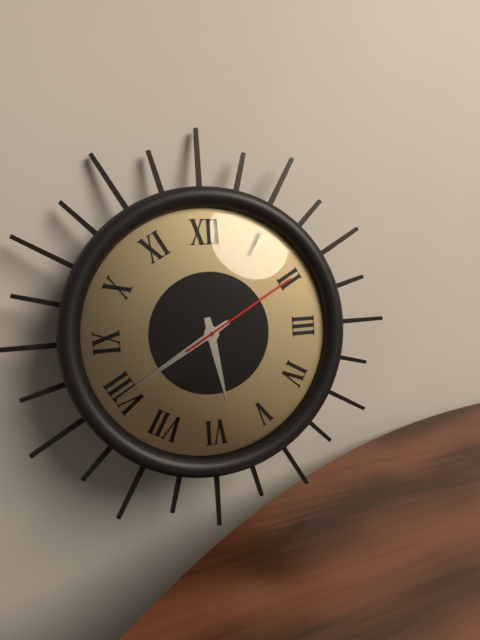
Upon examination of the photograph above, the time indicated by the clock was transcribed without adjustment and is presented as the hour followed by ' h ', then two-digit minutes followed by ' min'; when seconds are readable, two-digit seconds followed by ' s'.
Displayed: 5 h 40 min 10 s
